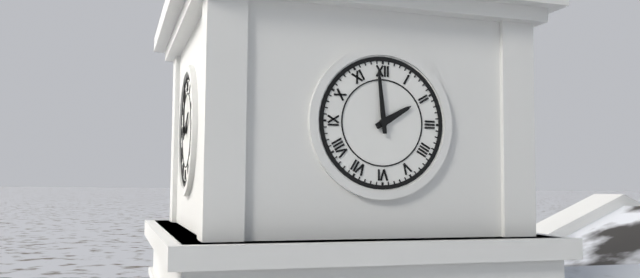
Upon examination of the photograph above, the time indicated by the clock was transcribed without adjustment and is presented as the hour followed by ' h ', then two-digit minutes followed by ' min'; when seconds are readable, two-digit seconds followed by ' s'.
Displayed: 1 h 59 min
